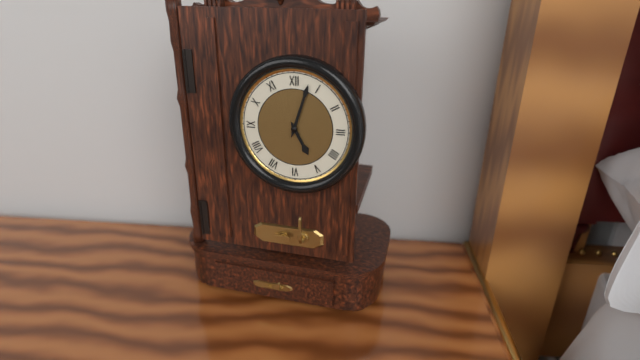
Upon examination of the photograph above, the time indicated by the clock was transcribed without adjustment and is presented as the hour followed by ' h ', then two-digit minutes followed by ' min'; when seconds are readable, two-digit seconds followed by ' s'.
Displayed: 5 h 03 min
